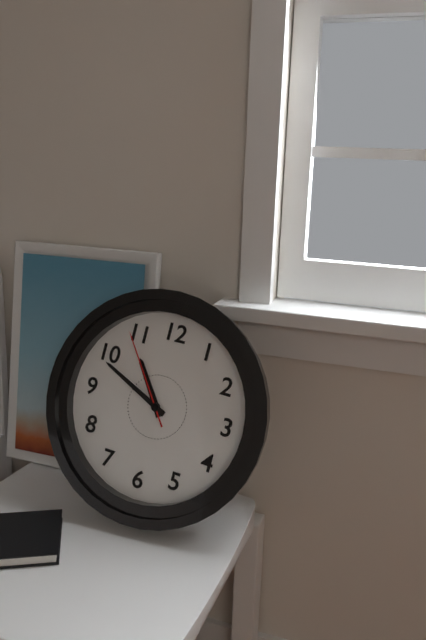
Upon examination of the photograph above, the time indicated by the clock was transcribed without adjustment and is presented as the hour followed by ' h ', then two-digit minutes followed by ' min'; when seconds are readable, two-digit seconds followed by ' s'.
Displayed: 10 h 49 min 54 s
